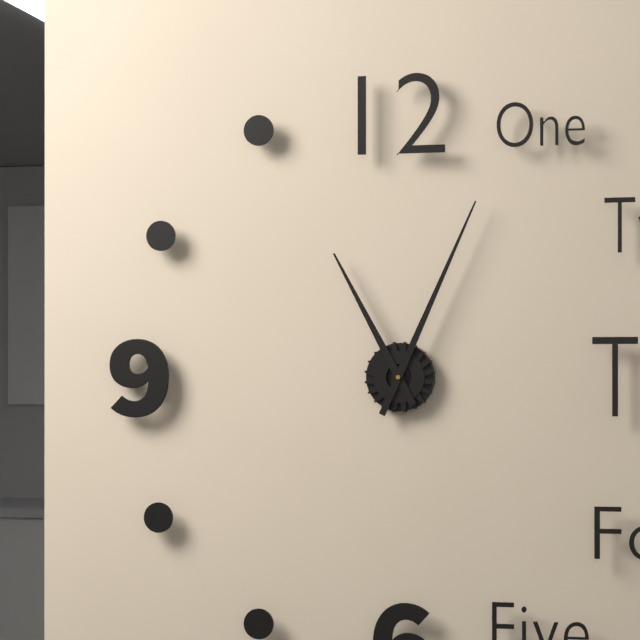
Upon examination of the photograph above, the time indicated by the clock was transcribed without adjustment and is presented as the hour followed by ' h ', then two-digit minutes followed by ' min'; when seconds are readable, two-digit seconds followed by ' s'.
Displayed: 11 h 04 min
